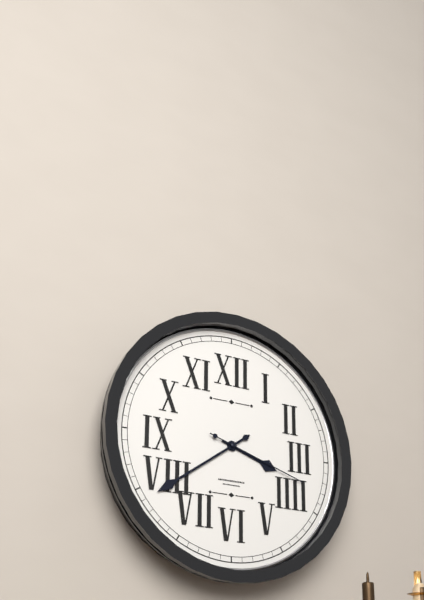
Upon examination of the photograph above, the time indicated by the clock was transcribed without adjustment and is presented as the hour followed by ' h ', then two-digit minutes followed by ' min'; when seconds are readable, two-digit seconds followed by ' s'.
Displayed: 3 h 39 min 18 s
